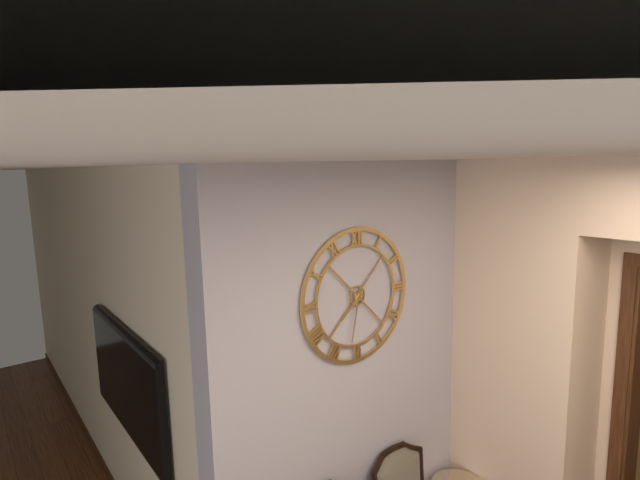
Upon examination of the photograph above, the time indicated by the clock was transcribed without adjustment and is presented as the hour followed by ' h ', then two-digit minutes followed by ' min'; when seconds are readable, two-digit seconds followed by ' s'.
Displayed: 7 h 32 min
